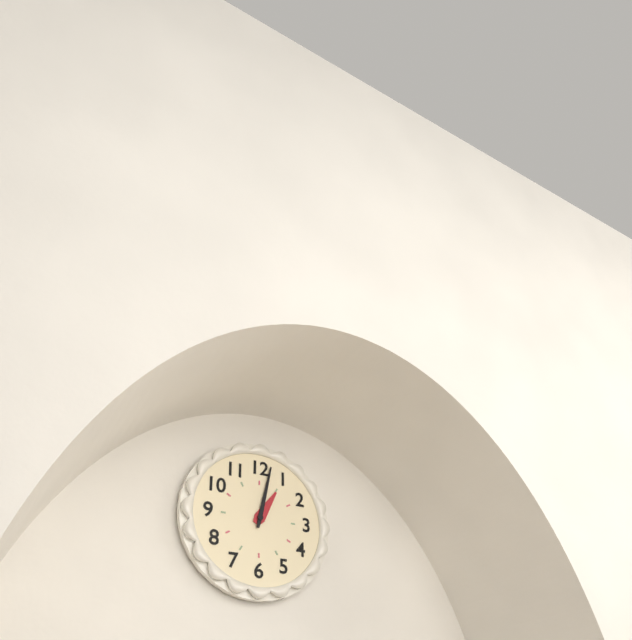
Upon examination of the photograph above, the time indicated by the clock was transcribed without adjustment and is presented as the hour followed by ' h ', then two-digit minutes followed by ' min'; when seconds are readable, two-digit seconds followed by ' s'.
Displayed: 1 h 02 min
